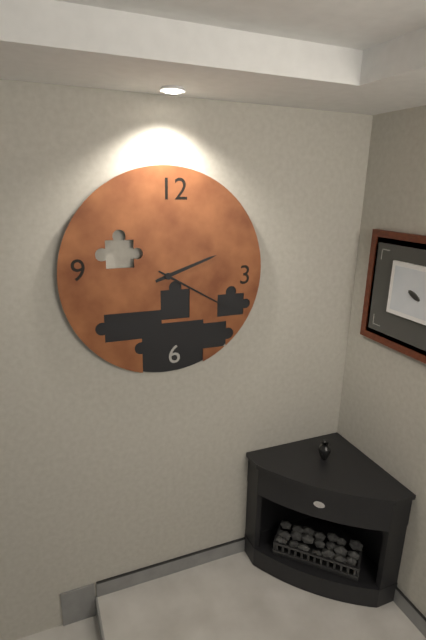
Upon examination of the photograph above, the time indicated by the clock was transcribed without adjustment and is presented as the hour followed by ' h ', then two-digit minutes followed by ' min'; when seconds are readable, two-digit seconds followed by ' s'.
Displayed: 2 h 20 min
